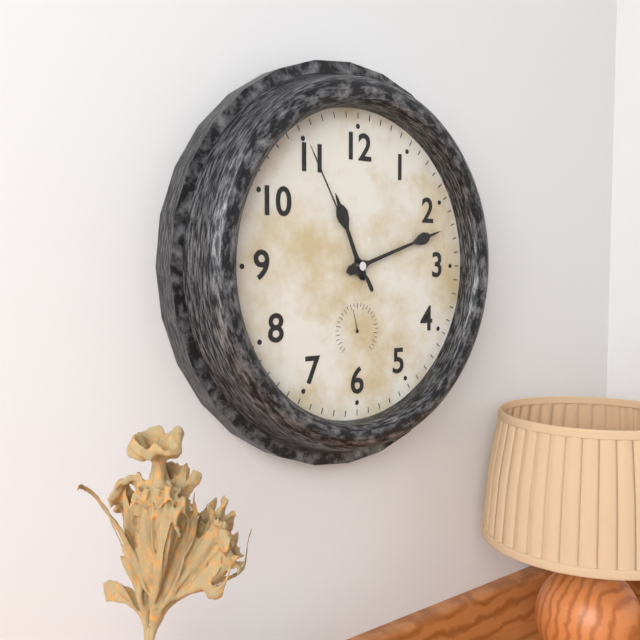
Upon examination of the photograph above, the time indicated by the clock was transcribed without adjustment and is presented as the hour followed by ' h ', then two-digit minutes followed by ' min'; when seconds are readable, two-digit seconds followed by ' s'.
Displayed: 11 h 12 min 55 s
